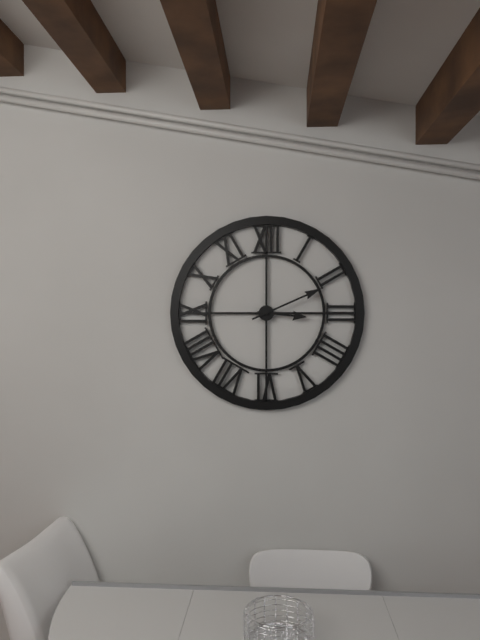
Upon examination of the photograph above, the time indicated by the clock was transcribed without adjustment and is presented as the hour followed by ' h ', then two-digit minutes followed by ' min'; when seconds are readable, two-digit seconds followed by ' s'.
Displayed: 3 h 11 min
